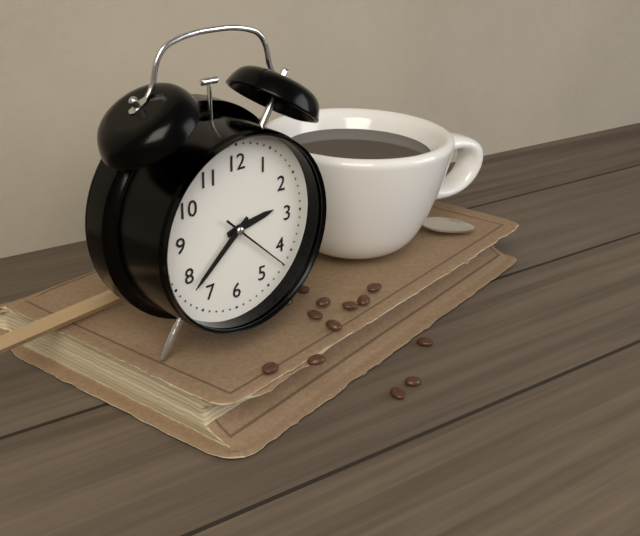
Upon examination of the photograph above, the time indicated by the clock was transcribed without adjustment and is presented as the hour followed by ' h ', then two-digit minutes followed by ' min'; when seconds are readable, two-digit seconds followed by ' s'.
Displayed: 2 h 38 min 22 s
